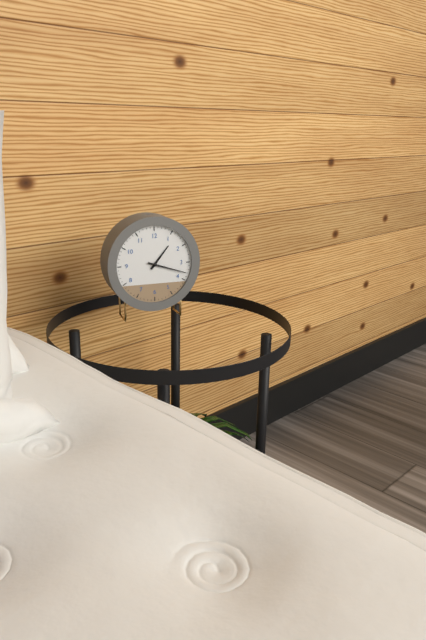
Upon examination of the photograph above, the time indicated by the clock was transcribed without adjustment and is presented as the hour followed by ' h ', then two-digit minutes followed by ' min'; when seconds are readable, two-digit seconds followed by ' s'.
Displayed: 1 h 18 min
